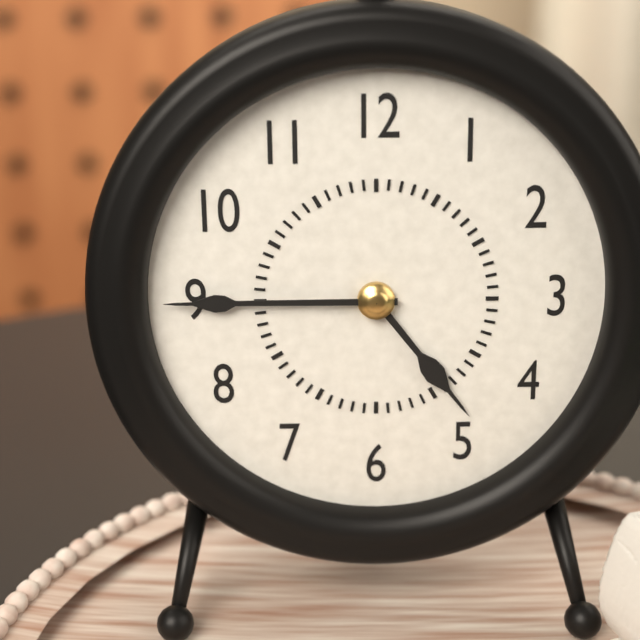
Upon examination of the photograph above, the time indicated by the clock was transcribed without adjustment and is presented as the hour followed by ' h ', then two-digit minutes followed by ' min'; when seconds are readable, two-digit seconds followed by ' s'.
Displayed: 4 h 45 min
